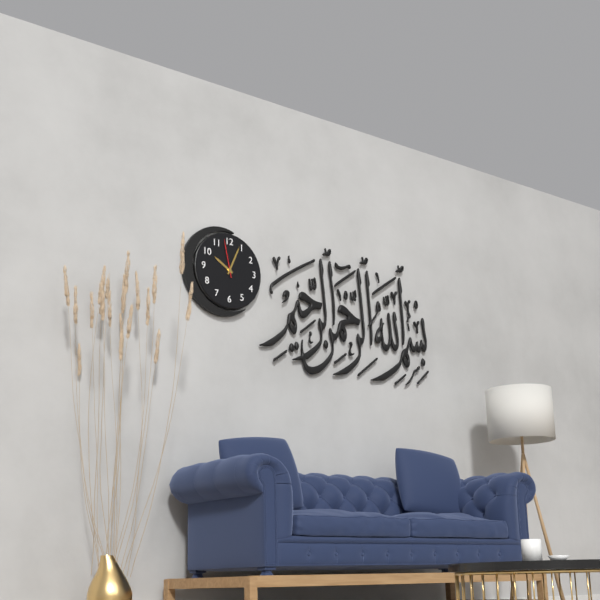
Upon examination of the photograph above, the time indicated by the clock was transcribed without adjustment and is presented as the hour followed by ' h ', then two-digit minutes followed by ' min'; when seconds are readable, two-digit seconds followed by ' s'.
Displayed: 10 h 04 min
